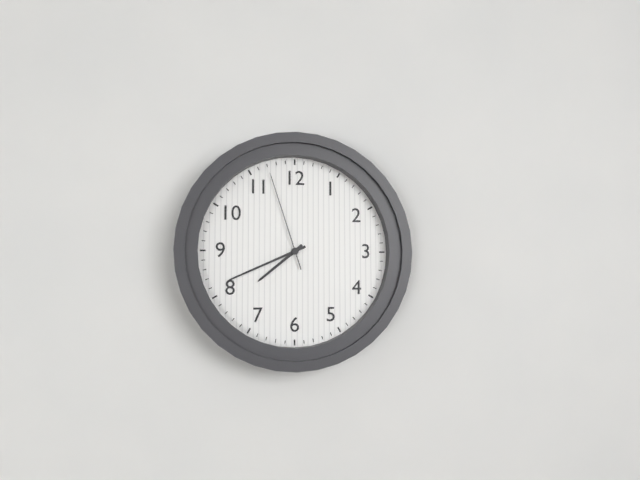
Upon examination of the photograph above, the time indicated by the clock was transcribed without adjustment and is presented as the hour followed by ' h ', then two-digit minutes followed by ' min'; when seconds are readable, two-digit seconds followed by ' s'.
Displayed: 7 h 41 min 57 s
